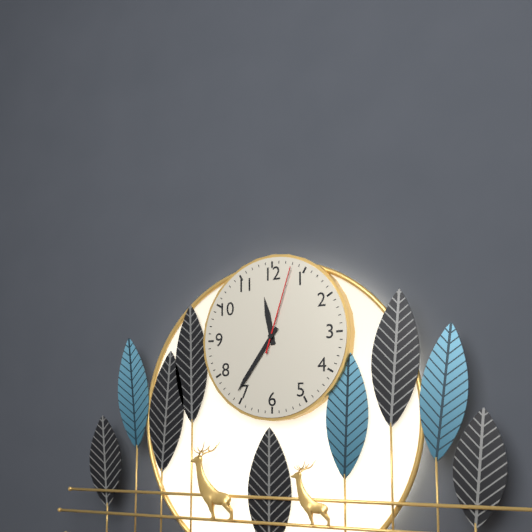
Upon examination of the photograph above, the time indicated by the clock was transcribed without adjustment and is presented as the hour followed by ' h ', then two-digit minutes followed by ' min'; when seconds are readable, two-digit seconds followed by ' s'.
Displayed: 11 h 36 min 03 s
